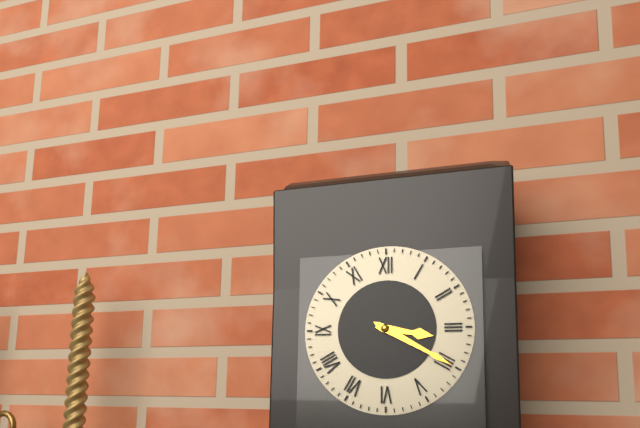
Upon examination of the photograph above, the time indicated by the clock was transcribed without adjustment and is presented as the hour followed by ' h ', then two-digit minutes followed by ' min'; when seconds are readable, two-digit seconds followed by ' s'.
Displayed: 3 h 20 min
